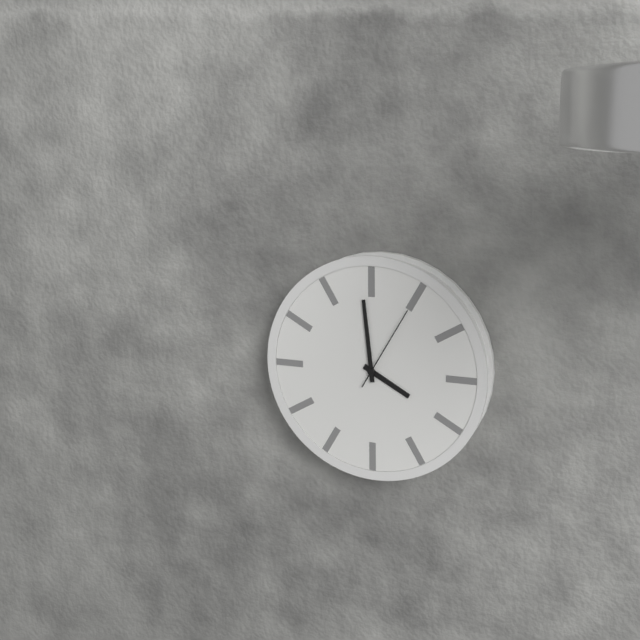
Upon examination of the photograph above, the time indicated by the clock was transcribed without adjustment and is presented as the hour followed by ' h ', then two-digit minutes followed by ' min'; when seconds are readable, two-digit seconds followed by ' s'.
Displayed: 3 h 59 min 05 s
